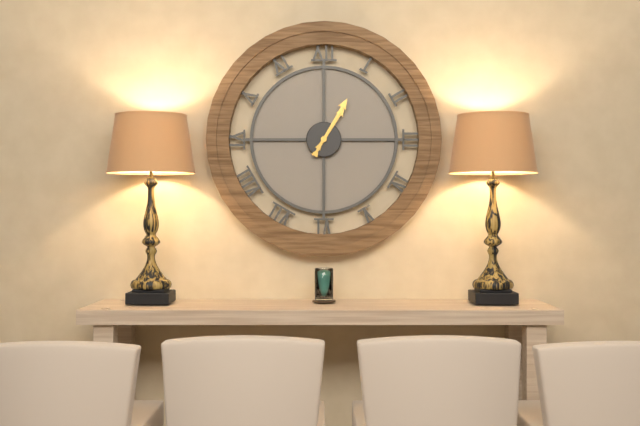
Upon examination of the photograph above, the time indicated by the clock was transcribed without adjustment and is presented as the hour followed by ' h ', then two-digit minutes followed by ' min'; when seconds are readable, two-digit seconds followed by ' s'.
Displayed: 1 h 05 min
